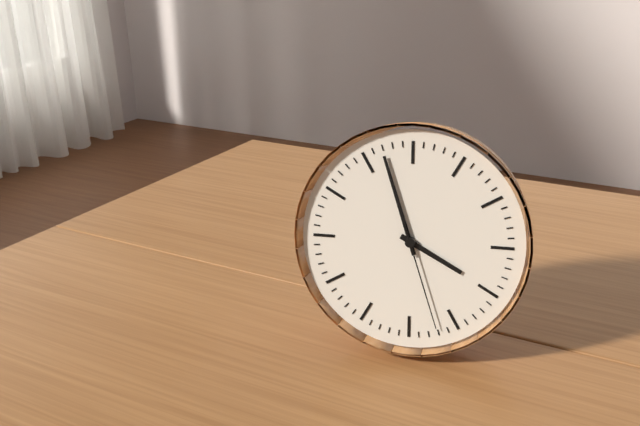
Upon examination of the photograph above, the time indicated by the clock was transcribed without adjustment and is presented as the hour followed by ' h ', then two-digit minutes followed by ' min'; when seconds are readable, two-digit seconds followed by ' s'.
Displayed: 3 h 57 min 27 s
